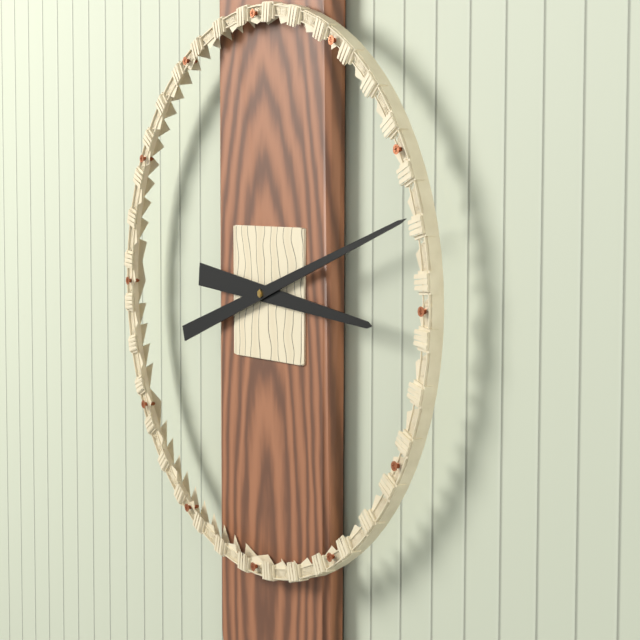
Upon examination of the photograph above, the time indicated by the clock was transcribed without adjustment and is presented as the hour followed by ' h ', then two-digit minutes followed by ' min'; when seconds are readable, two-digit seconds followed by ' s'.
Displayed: 3 h 12 min
